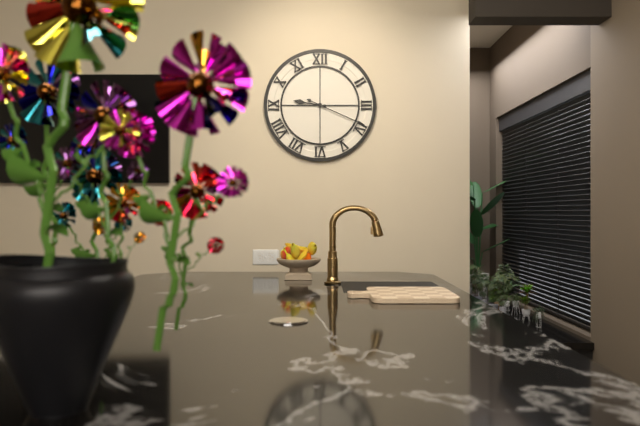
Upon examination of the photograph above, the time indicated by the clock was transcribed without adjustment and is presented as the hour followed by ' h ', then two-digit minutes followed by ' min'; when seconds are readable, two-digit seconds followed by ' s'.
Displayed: 9 h 19 min
